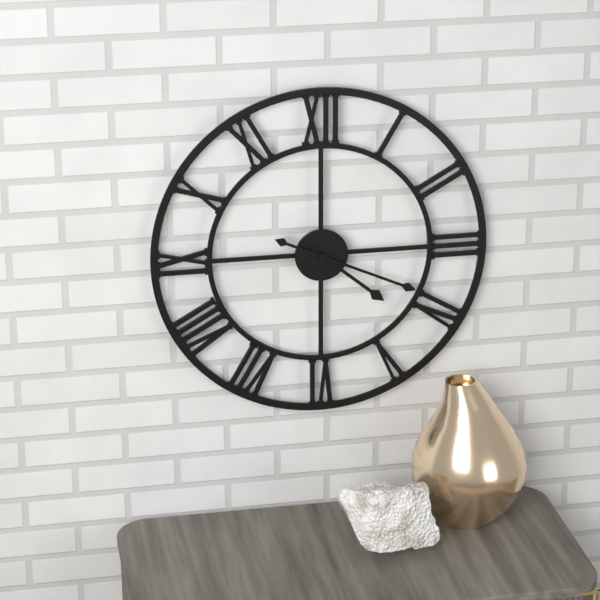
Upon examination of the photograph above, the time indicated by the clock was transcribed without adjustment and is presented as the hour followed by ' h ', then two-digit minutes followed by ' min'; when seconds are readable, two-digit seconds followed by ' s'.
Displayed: 4 h 19 min
